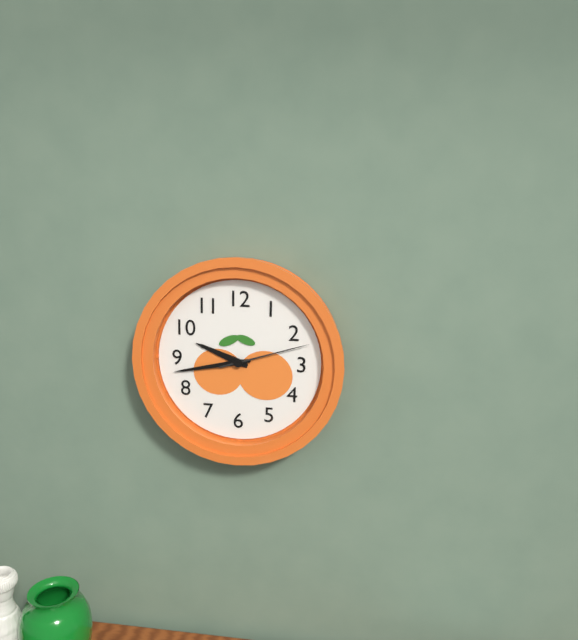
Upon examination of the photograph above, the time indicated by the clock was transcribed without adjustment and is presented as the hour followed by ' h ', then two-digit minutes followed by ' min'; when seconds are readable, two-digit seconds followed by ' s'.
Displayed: 9 h 43 min 12 s
